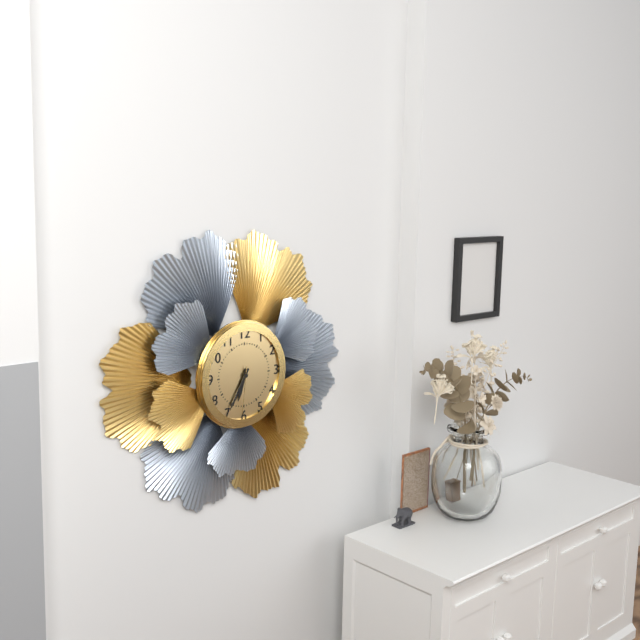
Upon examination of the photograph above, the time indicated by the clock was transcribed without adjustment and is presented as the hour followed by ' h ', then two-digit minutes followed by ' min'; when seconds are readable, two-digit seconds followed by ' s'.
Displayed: 6 h 35 min 31 s
